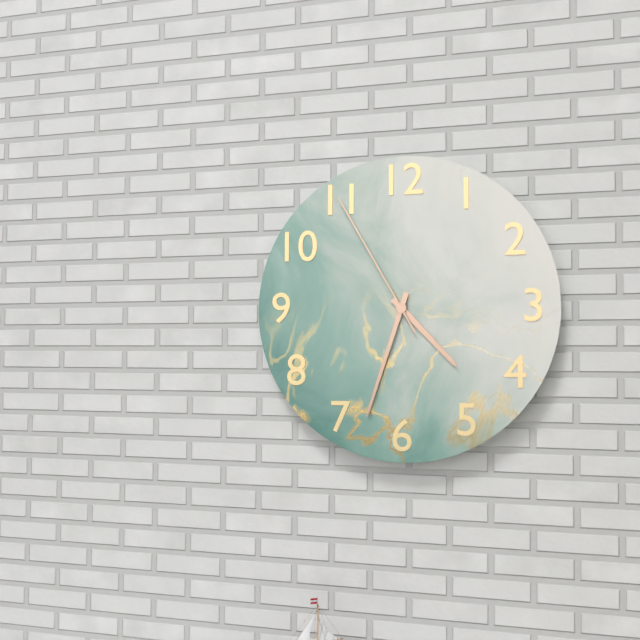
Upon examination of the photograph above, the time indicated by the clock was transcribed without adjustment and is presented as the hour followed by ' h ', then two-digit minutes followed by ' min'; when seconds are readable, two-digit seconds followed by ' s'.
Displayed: 4 h 33 min 55 s
